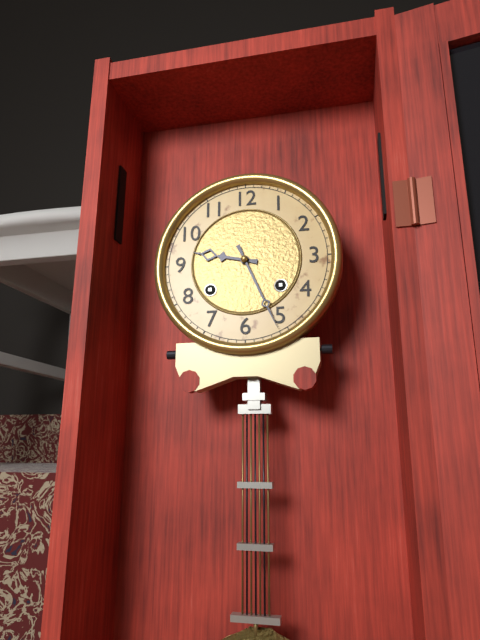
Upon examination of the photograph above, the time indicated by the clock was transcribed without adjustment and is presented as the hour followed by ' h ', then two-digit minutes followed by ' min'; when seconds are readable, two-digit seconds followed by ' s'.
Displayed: 9 h 26 min
